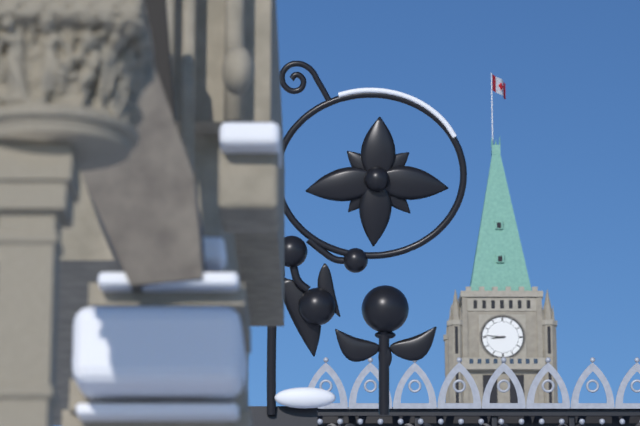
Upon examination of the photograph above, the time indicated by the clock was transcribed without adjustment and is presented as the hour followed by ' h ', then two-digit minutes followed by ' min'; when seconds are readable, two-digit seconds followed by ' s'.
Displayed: 8 h 46 min
